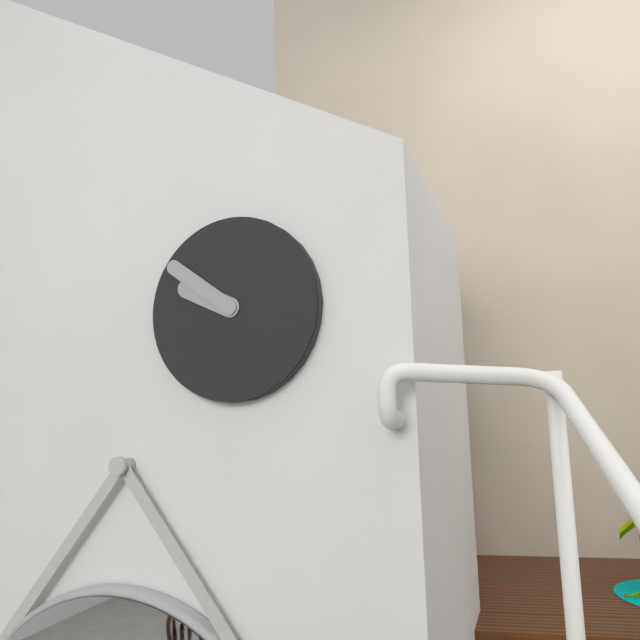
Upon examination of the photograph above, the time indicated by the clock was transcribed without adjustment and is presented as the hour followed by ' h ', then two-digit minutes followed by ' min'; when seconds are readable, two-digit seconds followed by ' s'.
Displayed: 9 h 51 min
